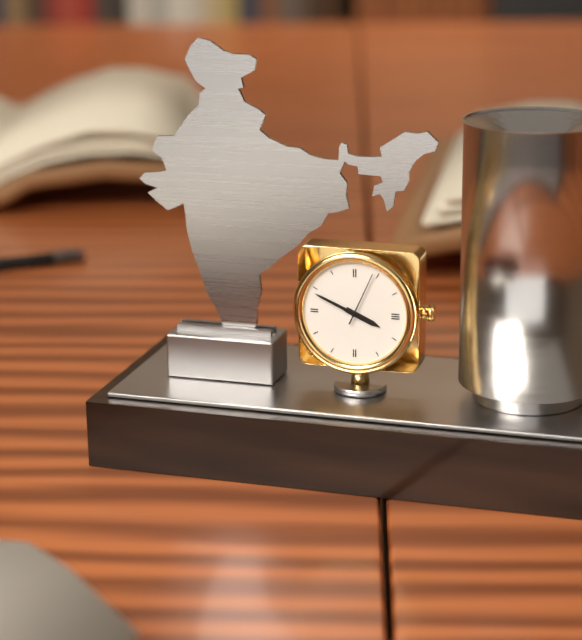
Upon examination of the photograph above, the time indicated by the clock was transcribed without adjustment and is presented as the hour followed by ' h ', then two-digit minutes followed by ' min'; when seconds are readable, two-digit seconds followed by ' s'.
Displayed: 3 h 49 min 04 s
